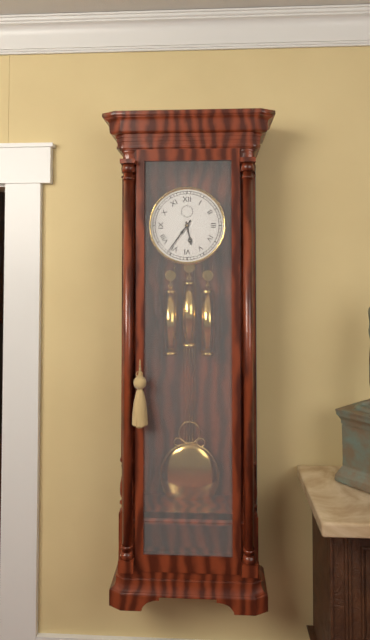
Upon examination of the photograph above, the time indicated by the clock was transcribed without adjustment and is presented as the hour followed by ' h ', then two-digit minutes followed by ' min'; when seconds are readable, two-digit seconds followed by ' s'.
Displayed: 5 h 36 min
